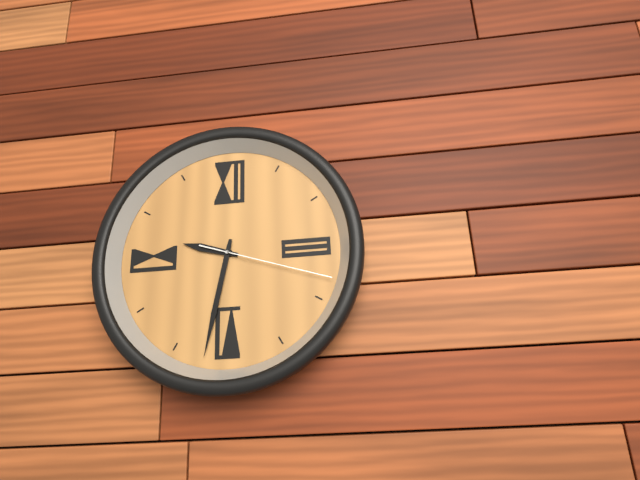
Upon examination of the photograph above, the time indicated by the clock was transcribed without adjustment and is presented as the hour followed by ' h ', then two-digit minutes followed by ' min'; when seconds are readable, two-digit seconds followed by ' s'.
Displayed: 9 h 32 min 18 s
